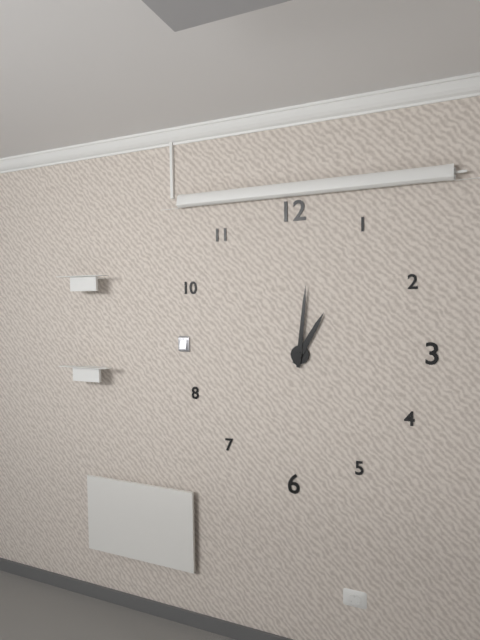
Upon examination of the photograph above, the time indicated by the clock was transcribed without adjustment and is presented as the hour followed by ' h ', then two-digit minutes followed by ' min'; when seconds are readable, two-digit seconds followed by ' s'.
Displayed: 1 h 01 min
